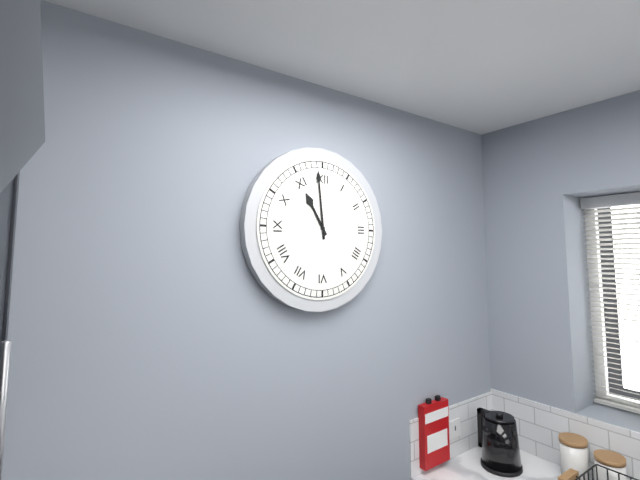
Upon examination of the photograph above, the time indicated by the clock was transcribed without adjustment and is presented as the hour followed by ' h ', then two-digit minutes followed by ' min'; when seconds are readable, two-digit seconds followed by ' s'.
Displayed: 10 h 59 min
